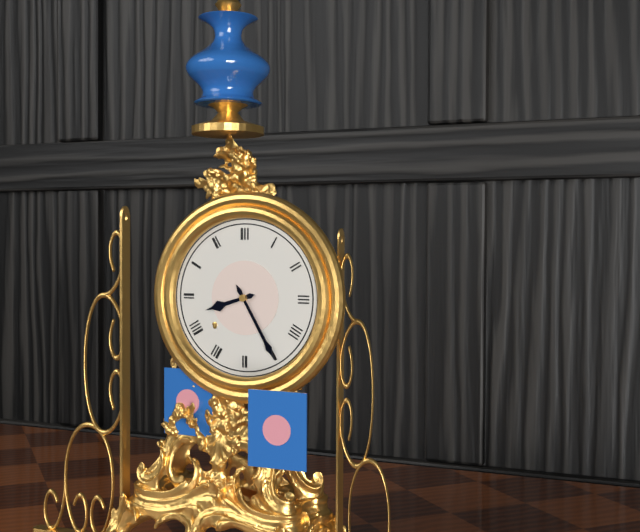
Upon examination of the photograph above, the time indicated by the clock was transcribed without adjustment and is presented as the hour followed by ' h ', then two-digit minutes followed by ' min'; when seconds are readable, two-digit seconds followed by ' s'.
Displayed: 8 h 25 min
